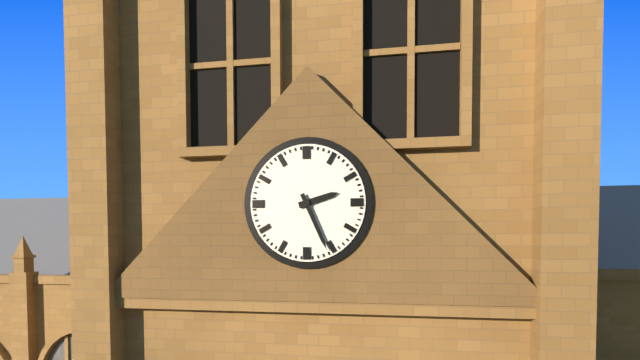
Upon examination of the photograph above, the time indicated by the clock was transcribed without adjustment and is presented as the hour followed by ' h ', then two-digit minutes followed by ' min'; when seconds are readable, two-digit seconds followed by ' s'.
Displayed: 2 h 26 min
